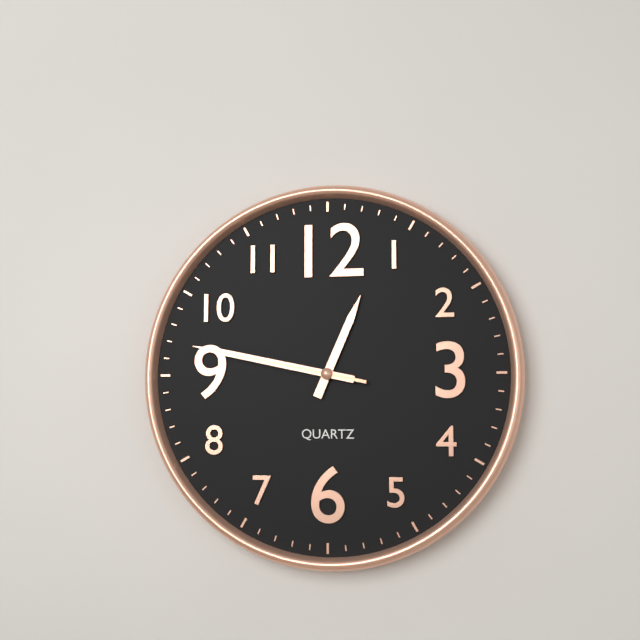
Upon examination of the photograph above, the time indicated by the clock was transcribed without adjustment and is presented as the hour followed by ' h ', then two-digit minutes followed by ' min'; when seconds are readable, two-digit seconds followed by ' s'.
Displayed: 12 h 47 min 47 s
